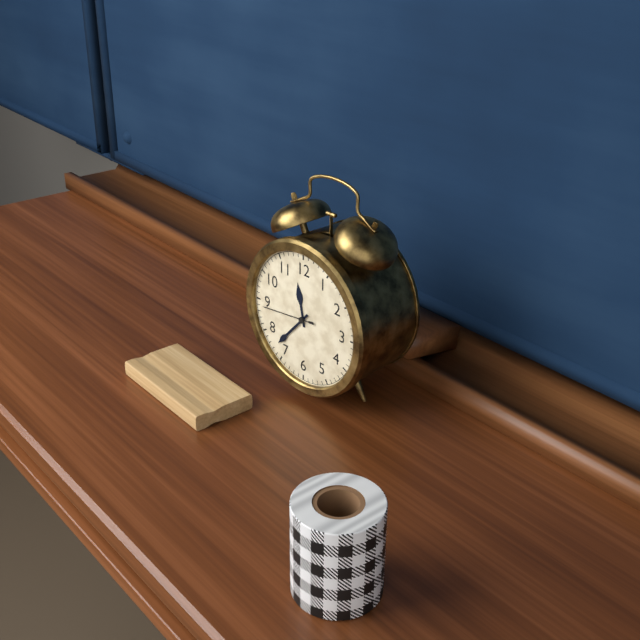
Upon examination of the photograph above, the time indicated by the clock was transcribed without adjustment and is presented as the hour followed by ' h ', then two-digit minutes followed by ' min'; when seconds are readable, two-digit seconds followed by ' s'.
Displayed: 11 h 37 min 44 s
